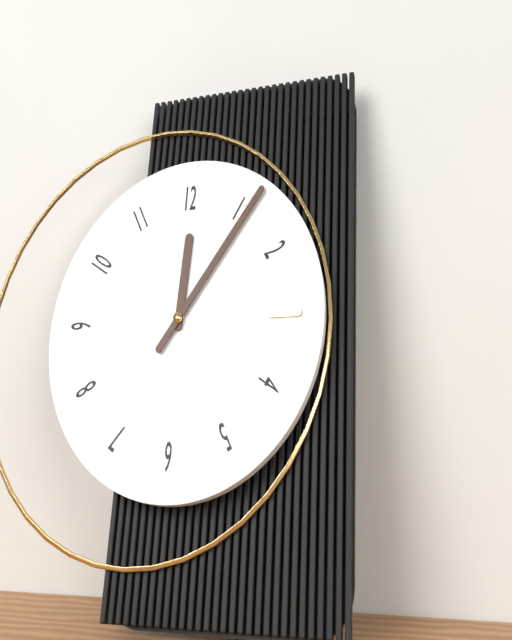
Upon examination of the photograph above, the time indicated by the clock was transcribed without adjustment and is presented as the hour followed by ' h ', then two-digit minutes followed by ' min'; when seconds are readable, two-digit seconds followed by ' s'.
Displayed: 12 h 06 min
